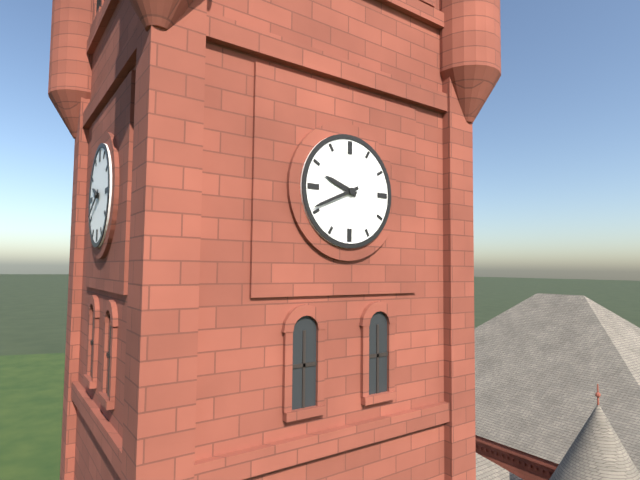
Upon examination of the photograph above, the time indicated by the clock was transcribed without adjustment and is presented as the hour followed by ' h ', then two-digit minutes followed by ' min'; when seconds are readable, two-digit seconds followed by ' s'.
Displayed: 9 h 41 min
